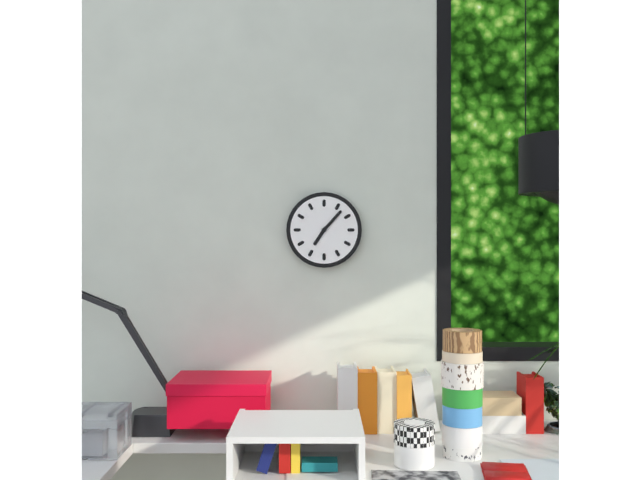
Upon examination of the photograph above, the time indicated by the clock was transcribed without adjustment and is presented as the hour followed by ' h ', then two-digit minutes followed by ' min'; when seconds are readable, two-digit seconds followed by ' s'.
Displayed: 7 h 07 min
